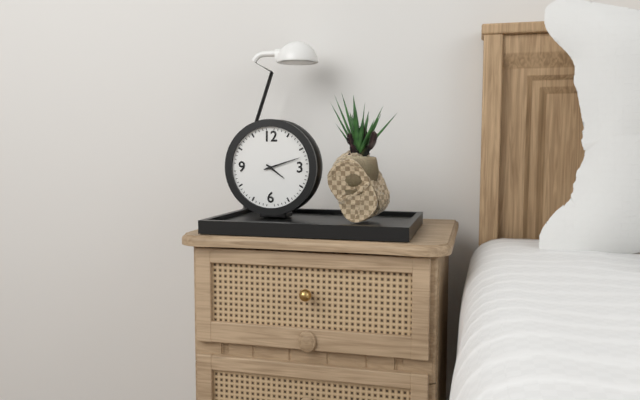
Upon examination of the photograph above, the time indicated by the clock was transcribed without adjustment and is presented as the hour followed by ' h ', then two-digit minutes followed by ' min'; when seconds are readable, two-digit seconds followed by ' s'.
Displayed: 4 h 12 min
